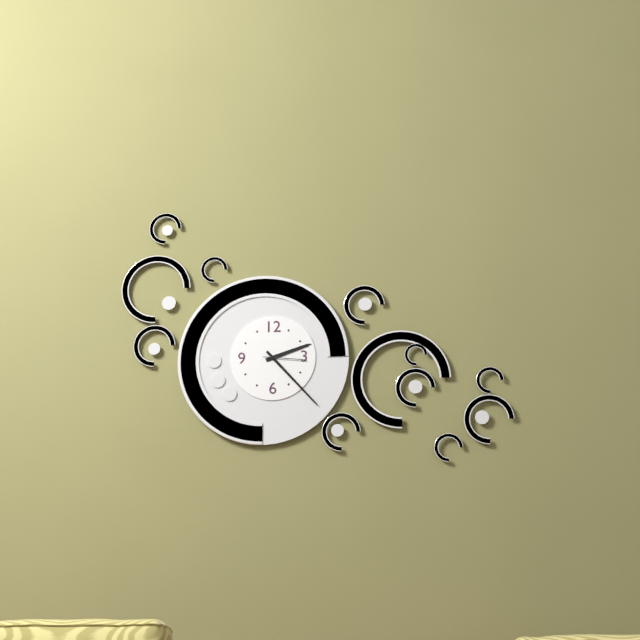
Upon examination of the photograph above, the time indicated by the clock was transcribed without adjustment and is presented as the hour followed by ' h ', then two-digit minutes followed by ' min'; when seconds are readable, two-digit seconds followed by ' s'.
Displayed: 2 h 23 min
